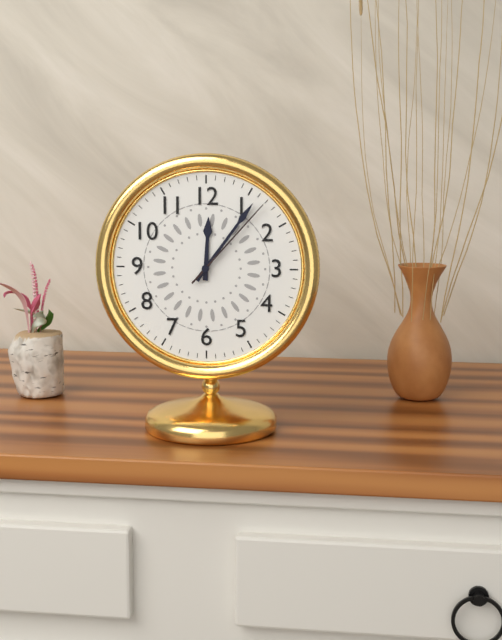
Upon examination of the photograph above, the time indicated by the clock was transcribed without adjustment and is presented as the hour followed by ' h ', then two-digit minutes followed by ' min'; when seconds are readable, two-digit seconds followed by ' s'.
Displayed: 12 h 06 min 07 s
